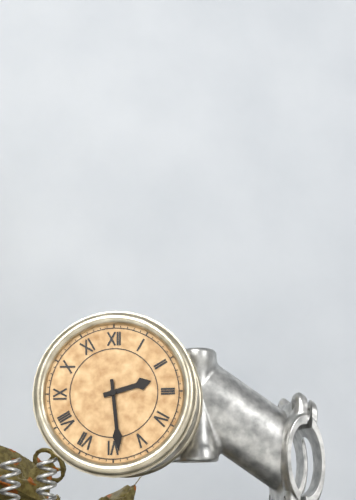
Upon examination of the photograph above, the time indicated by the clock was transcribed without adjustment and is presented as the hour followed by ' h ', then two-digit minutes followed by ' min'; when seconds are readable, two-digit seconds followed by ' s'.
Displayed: 2 h 29 min
